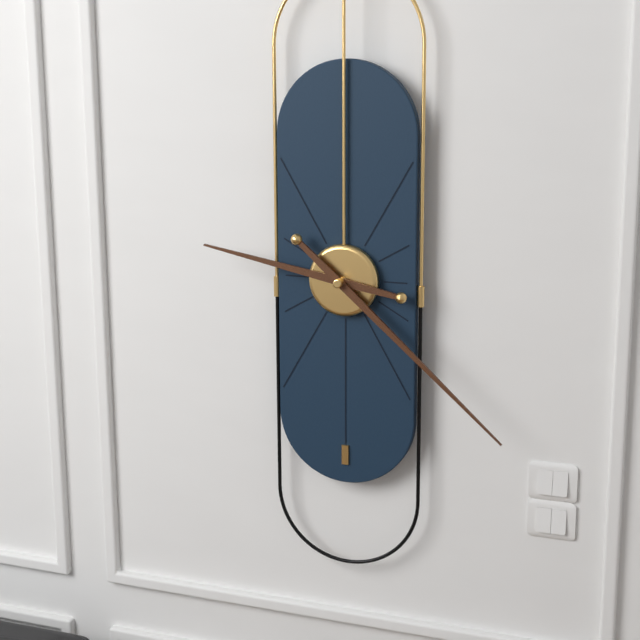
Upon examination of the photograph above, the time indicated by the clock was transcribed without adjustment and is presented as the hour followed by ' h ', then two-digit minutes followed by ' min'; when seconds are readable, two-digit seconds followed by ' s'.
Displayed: 9 h 22 min
